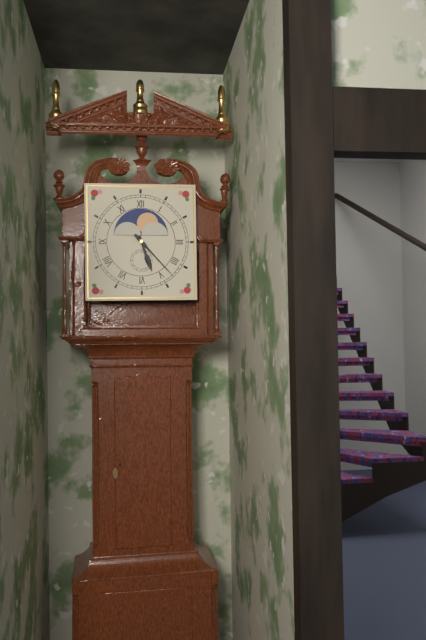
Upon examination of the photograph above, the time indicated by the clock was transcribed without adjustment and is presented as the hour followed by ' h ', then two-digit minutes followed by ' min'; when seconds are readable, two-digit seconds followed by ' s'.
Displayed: 5 h 23 min
